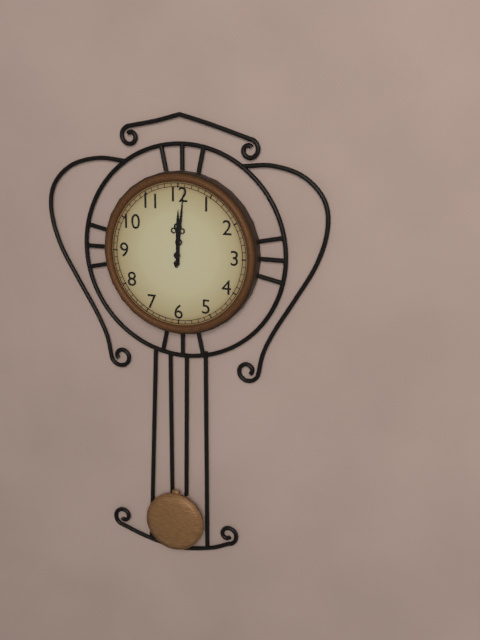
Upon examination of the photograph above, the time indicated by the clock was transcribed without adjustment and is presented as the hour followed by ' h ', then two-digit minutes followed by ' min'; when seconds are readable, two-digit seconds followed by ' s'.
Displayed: 12 h 01 min
